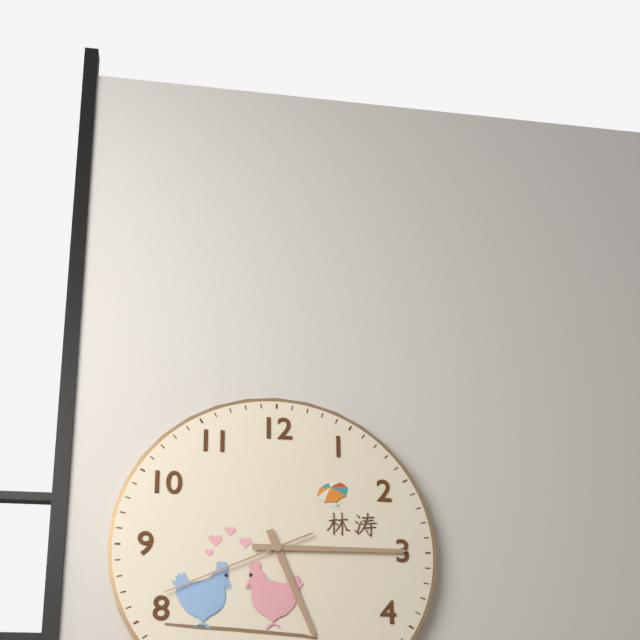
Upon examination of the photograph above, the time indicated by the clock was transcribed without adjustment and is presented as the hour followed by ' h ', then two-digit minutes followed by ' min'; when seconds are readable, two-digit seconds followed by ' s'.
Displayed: 5 h 15 min 41 s
